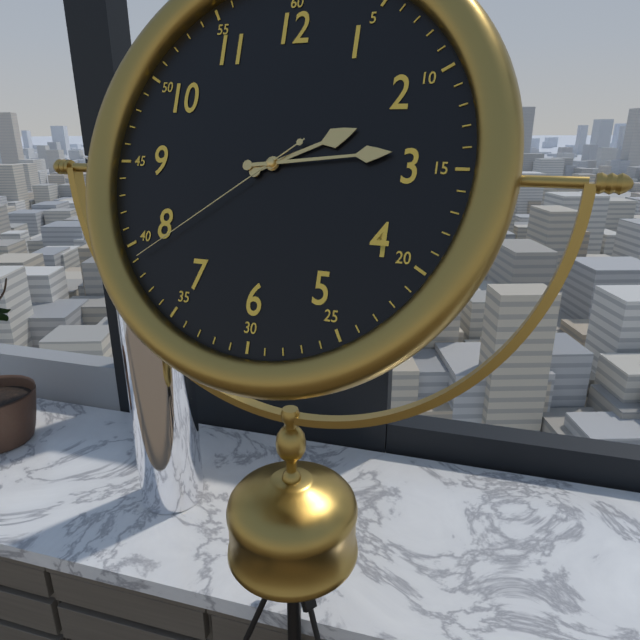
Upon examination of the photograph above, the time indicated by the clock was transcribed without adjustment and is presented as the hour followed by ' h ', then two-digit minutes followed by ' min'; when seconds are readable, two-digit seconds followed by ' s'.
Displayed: 2 h 14 min 39 s
